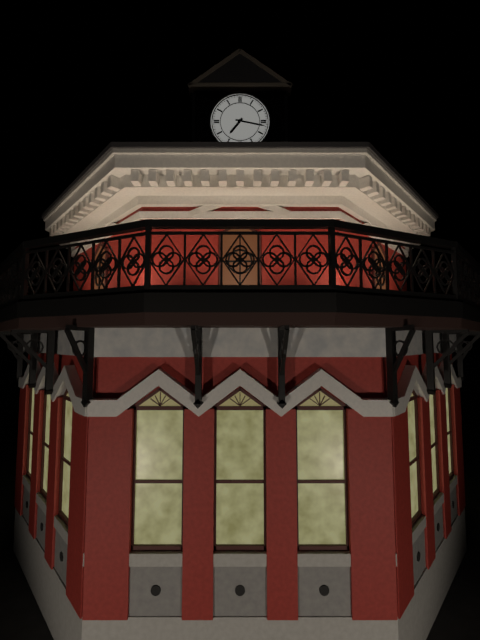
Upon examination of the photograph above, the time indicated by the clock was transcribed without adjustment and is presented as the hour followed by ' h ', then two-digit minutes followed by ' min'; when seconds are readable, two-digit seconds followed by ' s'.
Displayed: 7 h 17 min
